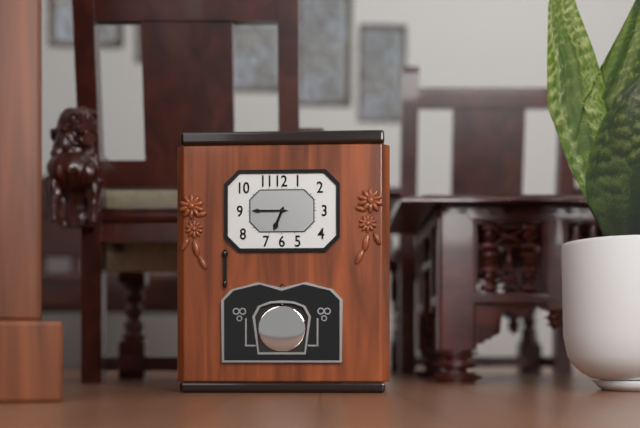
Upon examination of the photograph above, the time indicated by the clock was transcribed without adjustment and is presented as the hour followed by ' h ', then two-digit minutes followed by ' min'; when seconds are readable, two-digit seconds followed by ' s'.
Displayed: 6 h 45 min
